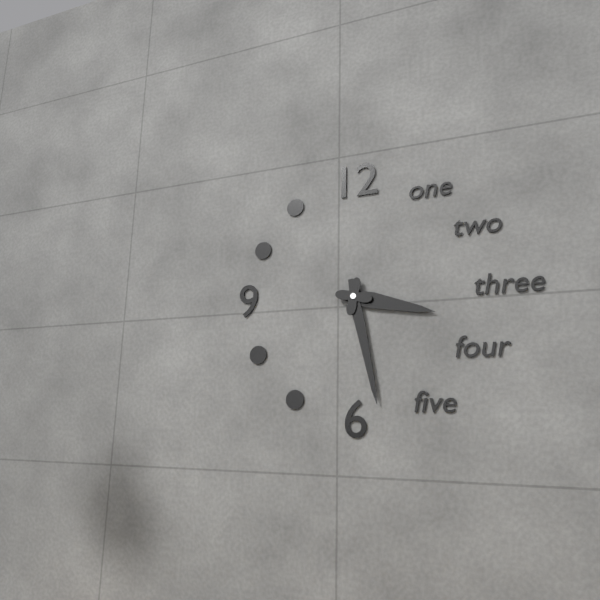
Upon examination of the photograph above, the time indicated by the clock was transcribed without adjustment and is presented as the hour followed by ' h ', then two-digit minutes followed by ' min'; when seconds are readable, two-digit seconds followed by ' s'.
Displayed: 3 h 28 min
